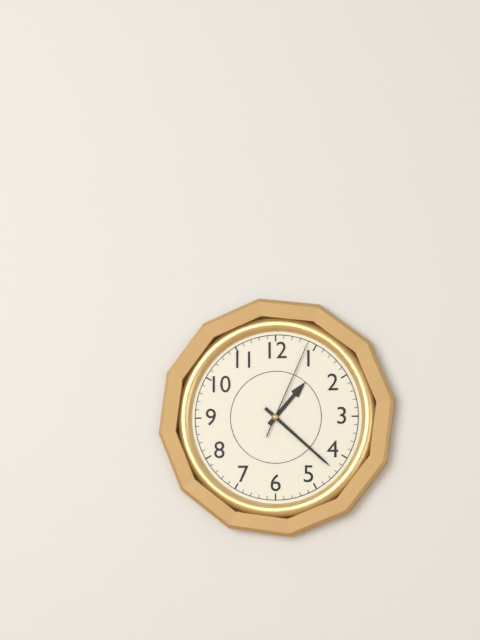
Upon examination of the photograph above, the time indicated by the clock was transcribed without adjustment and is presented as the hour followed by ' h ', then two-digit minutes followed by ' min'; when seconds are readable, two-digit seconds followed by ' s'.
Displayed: 1 h 22 min 04 s
